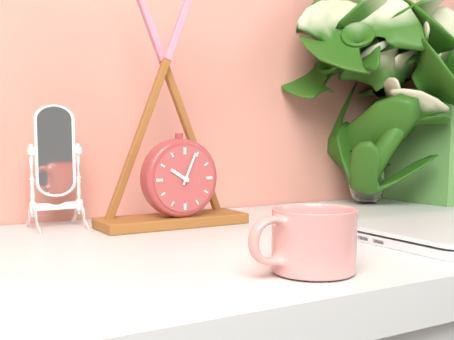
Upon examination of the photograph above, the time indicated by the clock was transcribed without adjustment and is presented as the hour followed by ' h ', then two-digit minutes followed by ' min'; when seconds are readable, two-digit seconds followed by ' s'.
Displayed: 10 h 04 min
